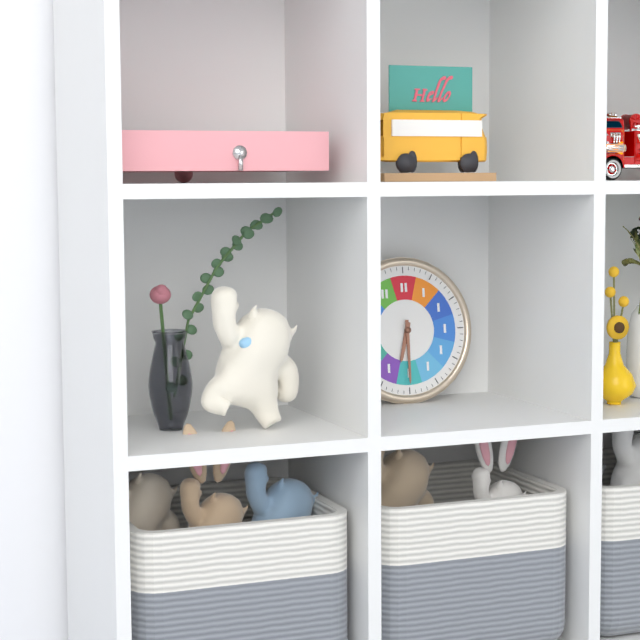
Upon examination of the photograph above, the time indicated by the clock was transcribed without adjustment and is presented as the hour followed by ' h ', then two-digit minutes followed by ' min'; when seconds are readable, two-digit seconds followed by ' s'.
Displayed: 6 h 30 min
